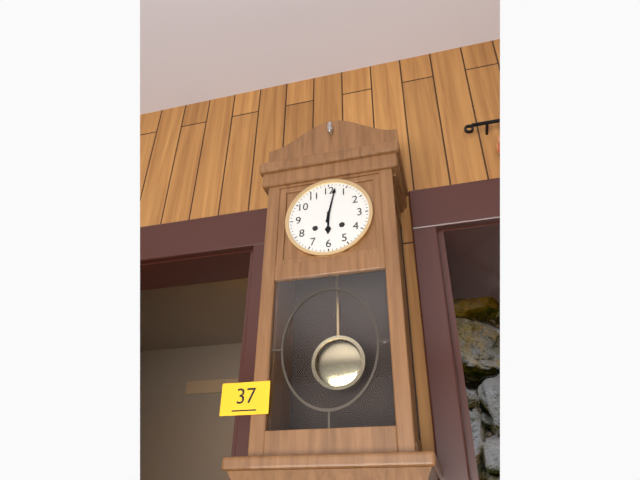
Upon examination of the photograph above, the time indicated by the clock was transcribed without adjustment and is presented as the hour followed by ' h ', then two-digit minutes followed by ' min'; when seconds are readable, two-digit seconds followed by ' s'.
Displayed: 6 h 02 min
